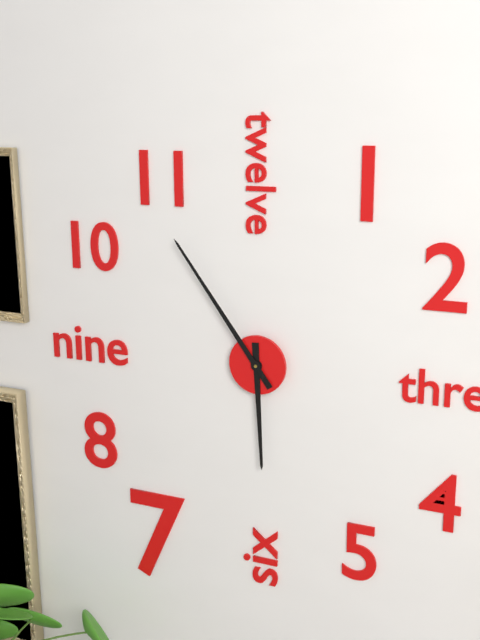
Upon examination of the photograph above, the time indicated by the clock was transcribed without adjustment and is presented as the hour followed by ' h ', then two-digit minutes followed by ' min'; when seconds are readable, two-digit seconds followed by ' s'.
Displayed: 5 h 54 min
